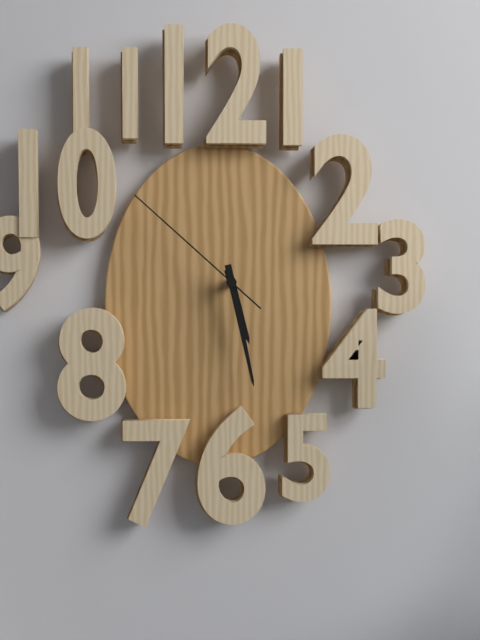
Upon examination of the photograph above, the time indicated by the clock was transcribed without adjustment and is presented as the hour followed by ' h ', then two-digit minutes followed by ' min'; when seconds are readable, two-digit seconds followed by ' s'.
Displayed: 5 h 28 min 52 s
